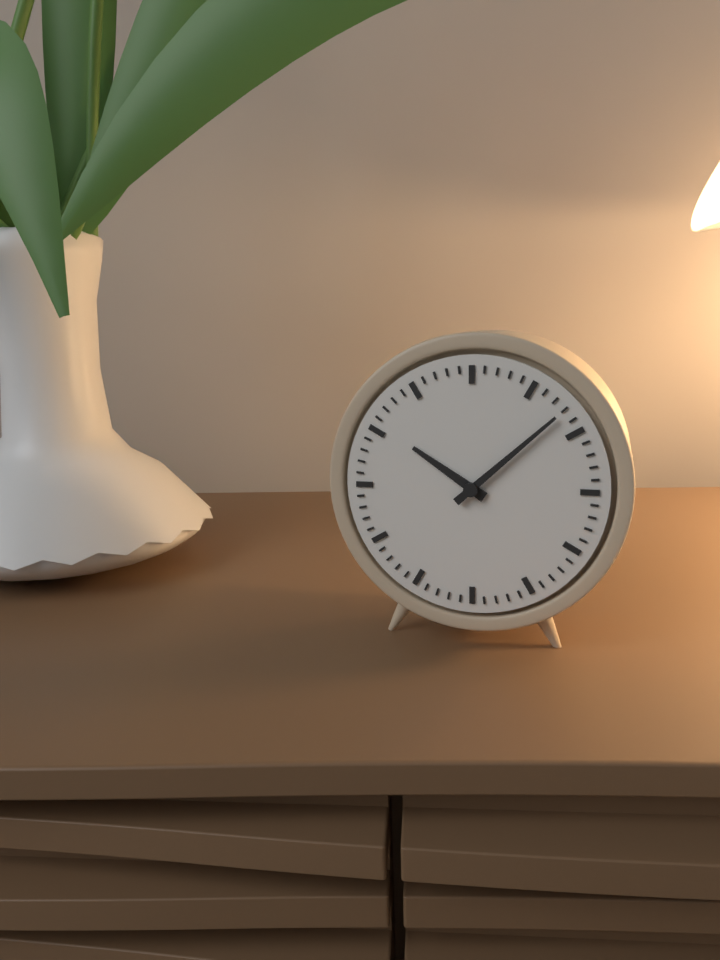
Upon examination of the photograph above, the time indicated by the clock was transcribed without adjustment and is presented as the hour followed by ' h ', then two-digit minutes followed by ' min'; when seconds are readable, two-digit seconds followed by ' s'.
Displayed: 10 h 08 min
